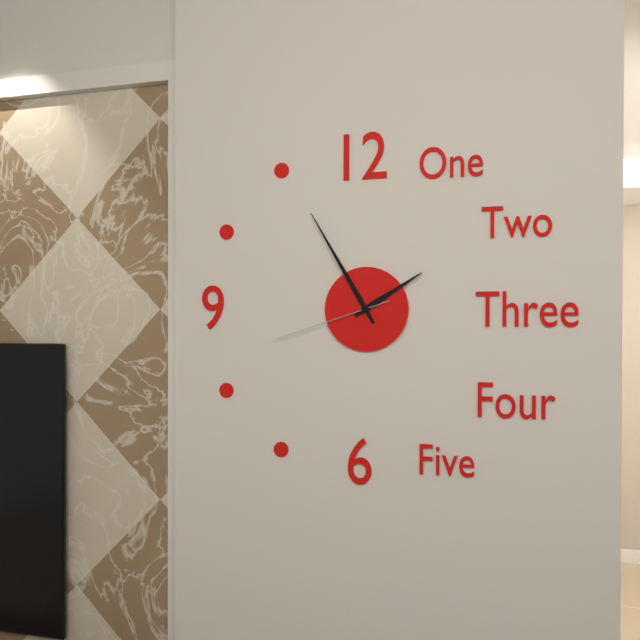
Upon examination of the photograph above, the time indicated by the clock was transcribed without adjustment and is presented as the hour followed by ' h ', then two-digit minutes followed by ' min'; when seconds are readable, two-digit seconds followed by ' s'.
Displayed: 1 h 55 min 42 s
